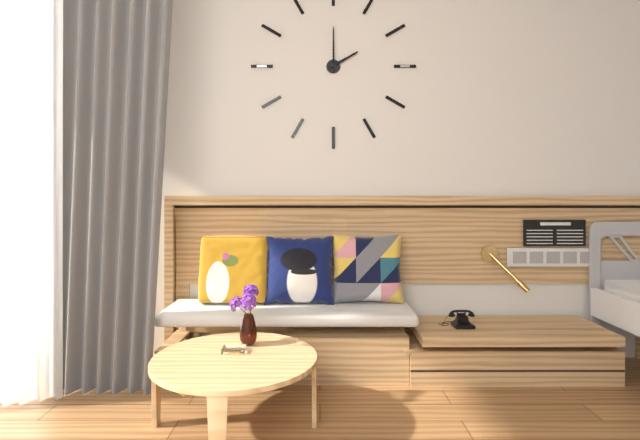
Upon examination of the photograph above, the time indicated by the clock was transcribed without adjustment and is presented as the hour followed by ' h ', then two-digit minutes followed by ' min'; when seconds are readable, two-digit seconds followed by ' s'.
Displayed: 2 h 00 min
